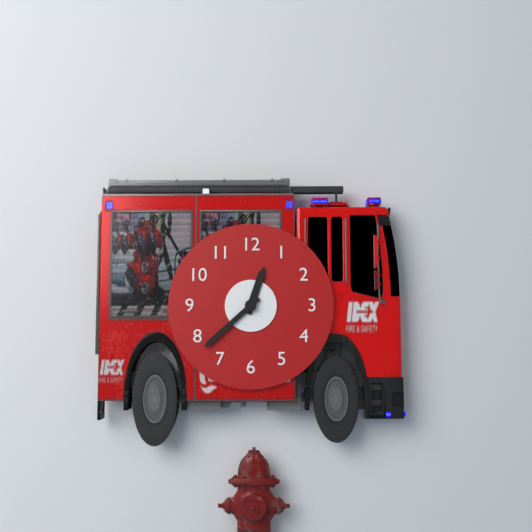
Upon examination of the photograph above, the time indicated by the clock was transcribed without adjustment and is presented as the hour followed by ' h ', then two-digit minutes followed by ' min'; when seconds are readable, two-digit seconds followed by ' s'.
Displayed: 12 h 38 min
